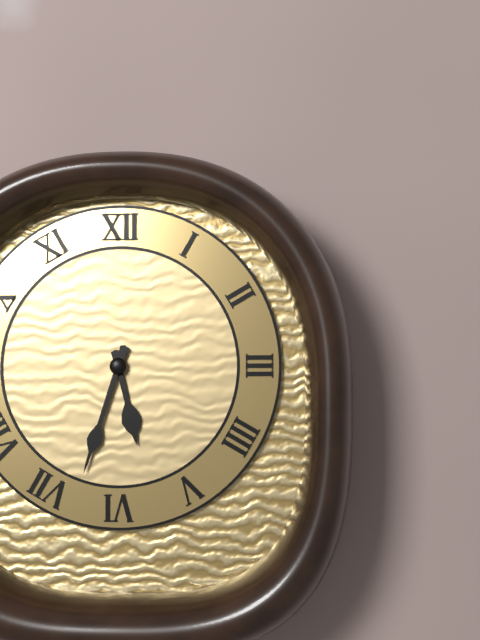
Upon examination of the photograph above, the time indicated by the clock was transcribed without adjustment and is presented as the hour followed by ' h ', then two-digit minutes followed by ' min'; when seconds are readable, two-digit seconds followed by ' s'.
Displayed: 5 h 33 min
